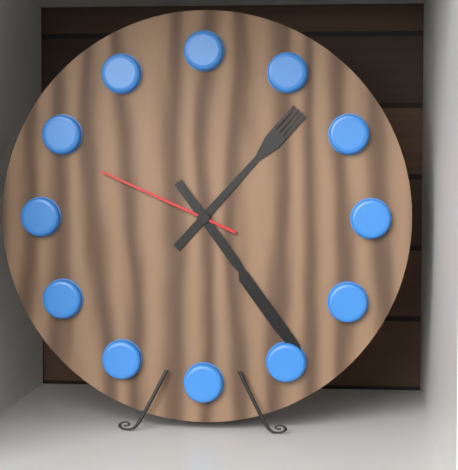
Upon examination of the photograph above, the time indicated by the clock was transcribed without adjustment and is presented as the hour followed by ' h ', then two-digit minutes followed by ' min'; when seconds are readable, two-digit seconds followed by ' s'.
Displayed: 1 h 24 min 49 s
